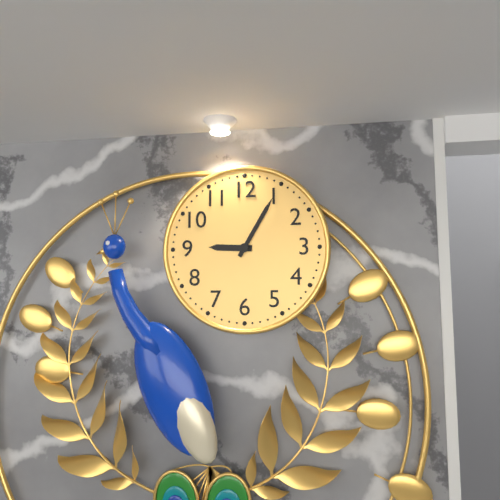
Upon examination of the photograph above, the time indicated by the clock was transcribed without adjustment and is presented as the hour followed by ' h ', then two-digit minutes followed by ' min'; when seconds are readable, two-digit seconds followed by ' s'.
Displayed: 9 h 05 min
